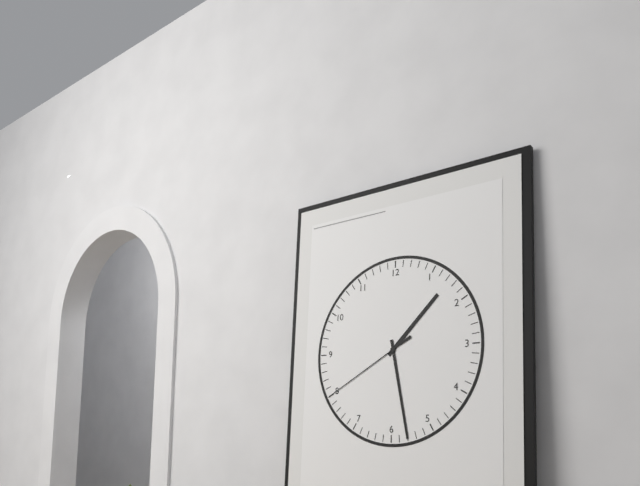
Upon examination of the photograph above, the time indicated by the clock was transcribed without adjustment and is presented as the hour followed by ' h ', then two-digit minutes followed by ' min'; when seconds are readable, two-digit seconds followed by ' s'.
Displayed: 1 h 28 min 40 s
